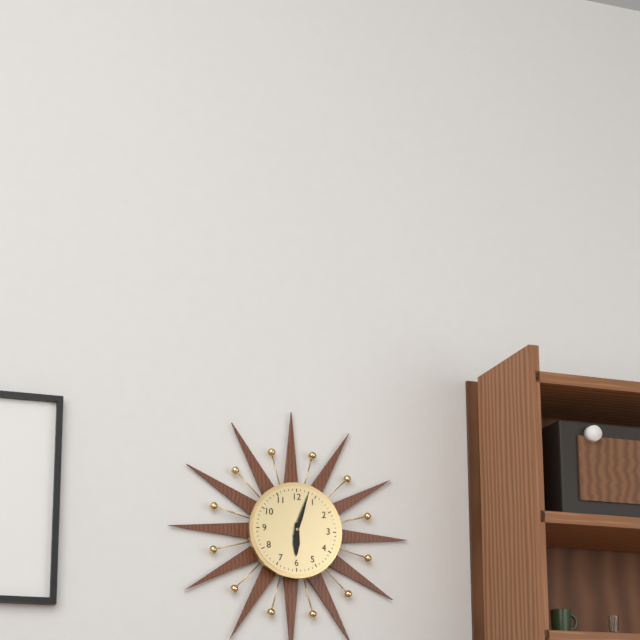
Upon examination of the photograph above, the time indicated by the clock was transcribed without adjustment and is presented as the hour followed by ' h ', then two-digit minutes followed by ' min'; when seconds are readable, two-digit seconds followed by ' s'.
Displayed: 6 h 03 min
